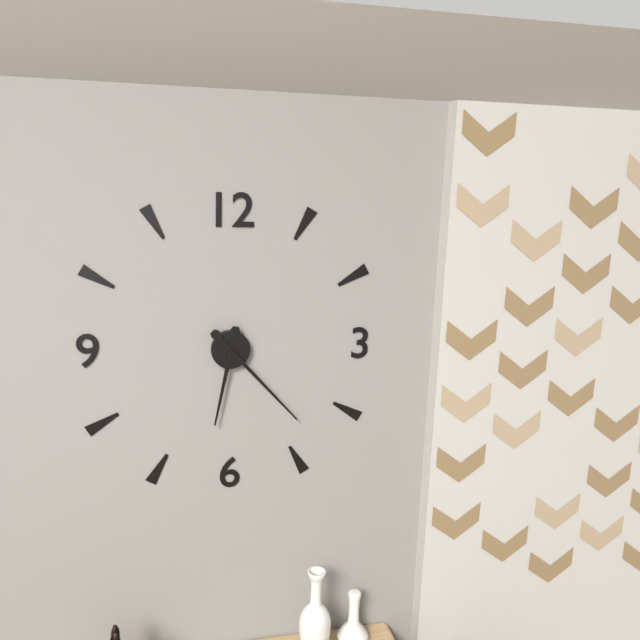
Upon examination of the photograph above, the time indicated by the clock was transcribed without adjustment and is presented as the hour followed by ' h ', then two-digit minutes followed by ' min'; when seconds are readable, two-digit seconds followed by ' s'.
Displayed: 6 h 23 min
